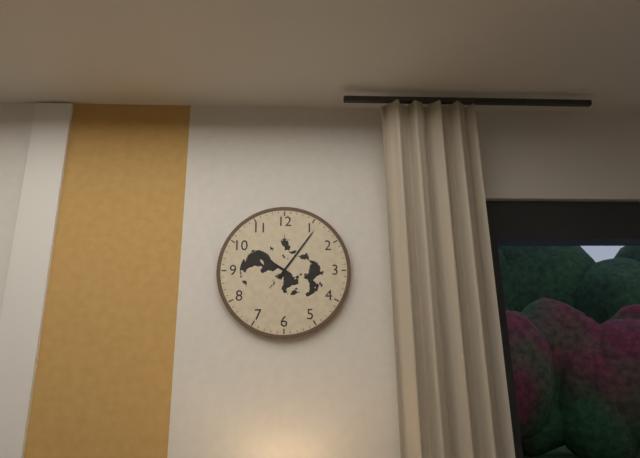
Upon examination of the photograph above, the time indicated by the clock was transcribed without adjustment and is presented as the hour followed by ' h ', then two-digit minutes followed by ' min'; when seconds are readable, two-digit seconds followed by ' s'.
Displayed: 10 h 06 min
